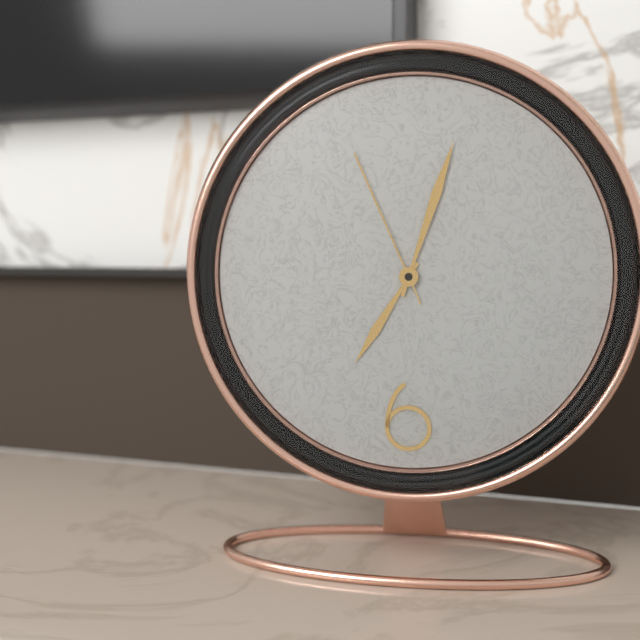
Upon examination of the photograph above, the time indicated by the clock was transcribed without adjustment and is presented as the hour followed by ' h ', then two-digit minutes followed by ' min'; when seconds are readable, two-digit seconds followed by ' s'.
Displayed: 7 h 03 min 56 s
